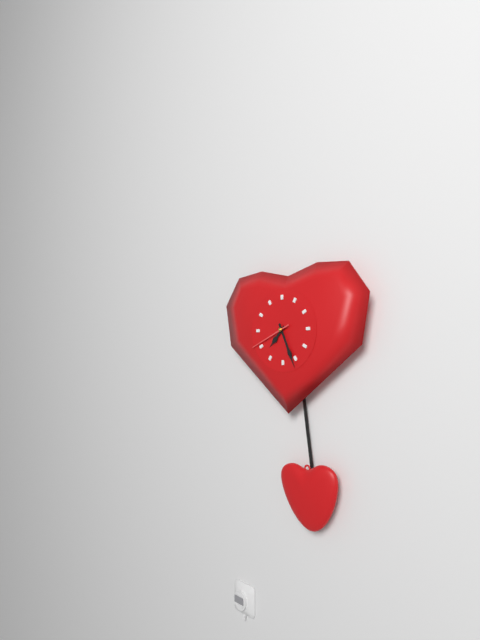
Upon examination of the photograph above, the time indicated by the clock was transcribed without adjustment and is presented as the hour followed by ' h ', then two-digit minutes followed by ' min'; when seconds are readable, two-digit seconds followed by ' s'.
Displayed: 7 h 26 min
